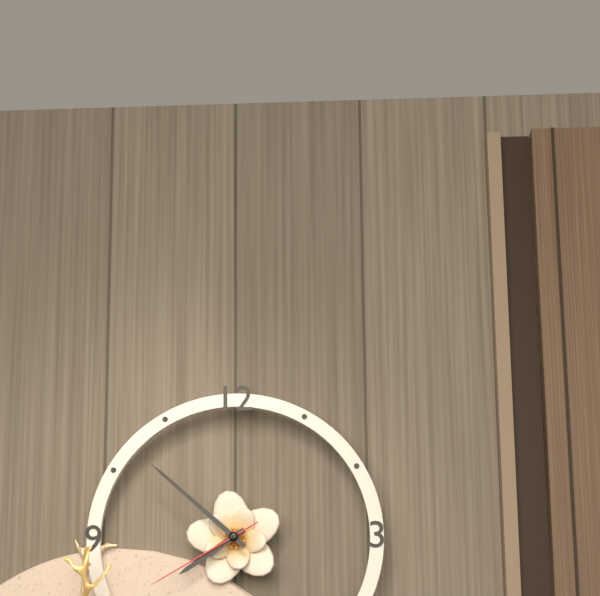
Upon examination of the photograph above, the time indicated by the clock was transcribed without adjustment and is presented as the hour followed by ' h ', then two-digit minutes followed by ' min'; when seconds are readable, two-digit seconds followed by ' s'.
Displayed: 7 h 52 min 40 s
